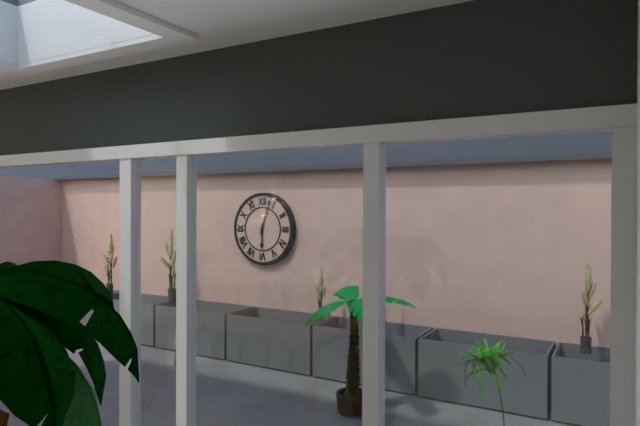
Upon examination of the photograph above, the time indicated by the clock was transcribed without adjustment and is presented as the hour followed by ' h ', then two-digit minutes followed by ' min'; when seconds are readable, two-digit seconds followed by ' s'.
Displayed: 6 h 03 min
